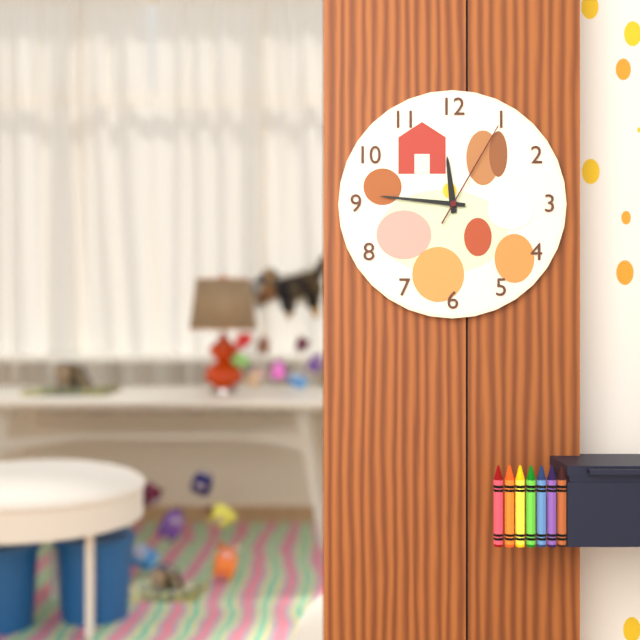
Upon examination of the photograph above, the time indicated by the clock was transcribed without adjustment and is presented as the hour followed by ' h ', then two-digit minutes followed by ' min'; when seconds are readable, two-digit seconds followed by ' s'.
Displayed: 11 h 46 min 05 s
